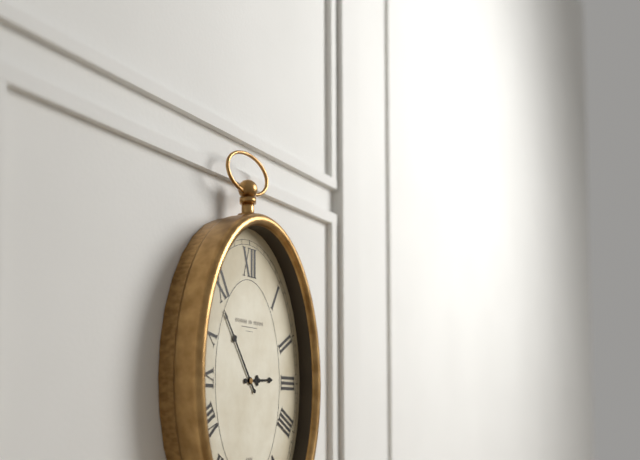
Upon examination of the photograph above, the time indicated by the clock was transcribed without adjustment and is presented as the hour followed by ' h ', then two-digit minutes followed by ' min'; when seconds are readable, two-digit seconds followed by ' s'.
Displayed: 2 h 54 min
